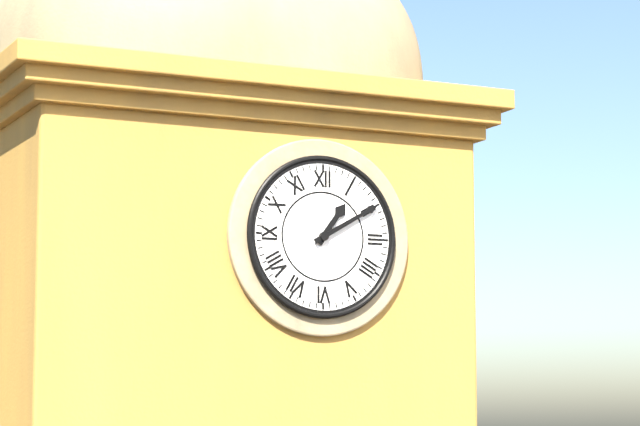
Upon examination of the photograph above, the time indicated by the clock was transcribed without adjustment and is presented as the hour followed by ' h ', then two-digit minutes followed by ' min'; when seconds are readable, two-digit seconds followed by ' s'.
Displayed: 1 h 10 min
